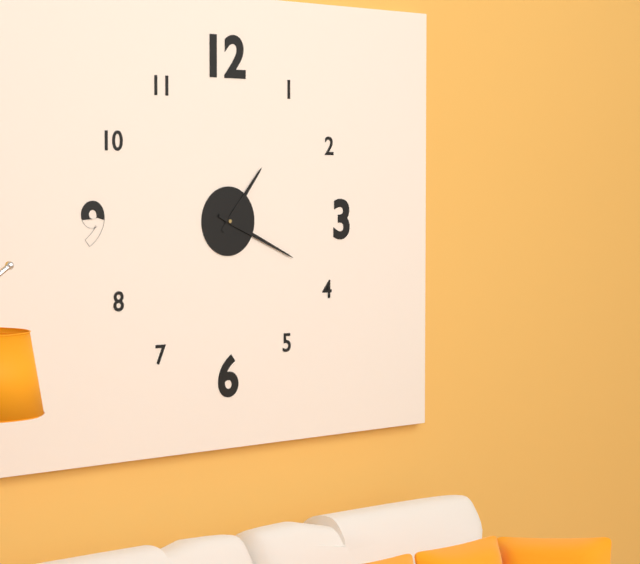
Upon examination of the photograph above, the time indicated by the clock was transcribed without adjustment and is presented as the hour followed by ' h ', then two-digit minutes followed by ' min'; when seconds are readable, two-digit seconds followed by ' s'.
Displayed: 1 h 19 min
